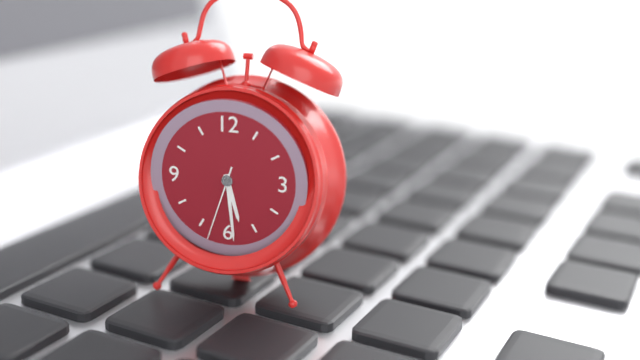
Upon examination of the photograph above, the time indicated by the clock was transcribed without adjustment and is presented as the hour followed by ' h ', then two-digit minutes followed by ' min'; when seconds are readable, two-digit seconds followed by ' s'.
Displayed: 5 h 29 min 33 s
